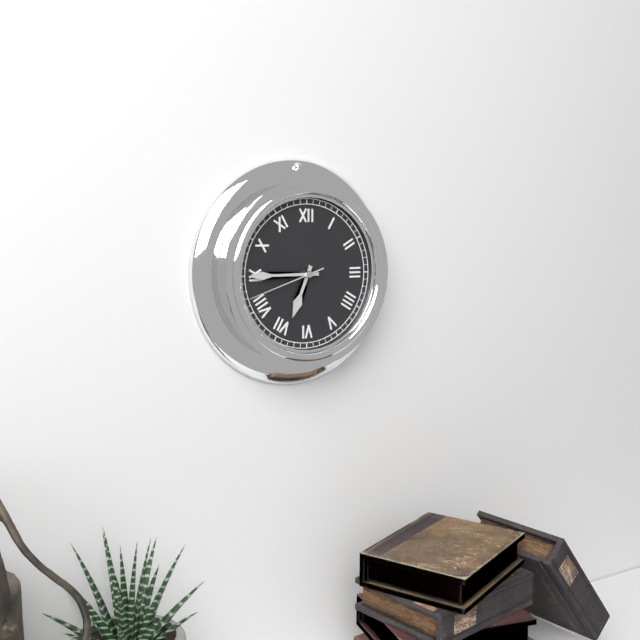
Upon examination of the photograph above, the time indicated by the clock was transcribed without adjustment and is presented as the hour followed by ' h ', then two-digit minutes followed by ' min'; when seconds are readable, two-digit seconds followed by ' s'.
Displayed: 6 h 45 min 42 s
